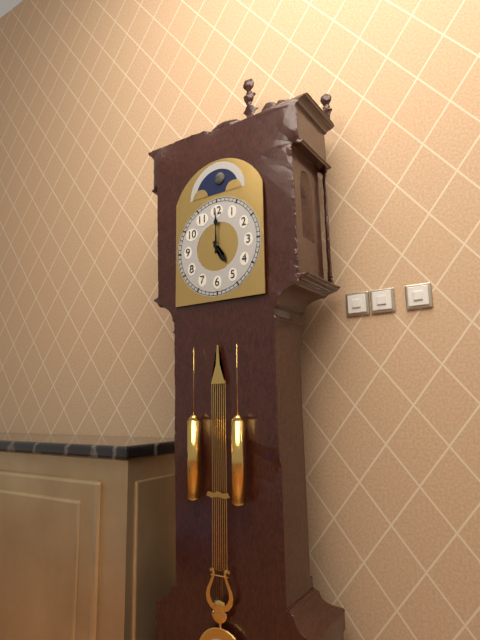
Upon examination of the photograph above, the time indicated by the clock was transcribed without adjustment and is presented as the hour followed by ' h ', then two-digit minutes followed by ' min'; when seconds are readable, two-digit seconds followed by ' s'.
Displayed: 5 h 00 min
